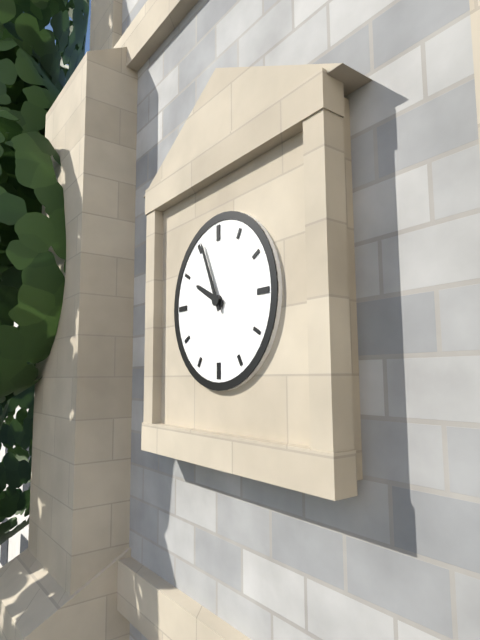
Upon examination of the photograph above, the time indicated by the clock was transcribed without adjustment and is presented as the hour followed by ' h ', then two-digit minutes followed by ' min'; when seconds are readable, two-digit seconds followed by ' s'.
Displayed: 9 h 56 min
